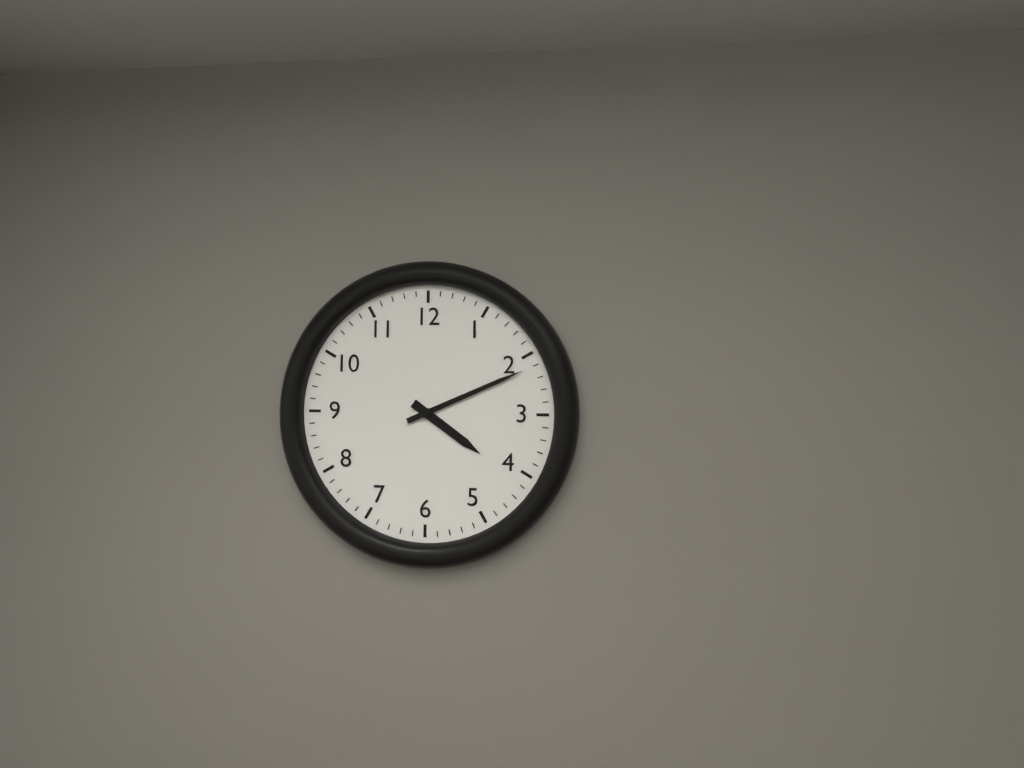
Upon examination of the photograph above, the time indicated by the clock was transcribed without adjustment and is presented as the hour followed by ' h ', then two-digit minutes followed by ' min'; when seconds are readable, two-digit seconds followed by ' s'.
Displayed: 4 h 11 min
